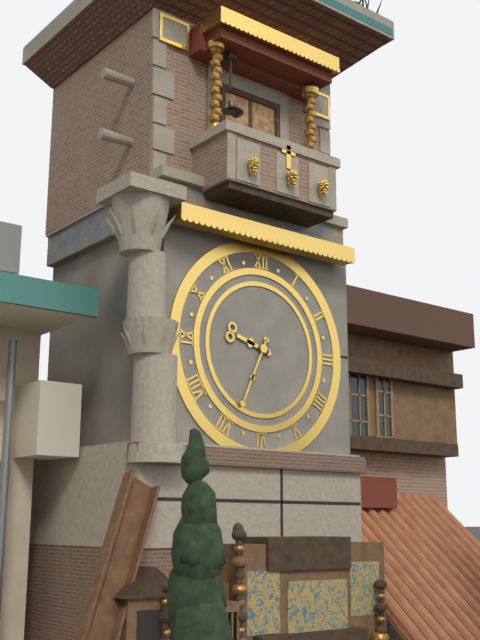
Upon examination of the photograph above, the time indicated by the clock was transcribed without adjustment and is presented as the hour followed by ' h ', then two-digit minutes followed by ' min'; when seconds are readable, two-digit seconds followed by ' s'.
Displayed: 9 h 34 min
